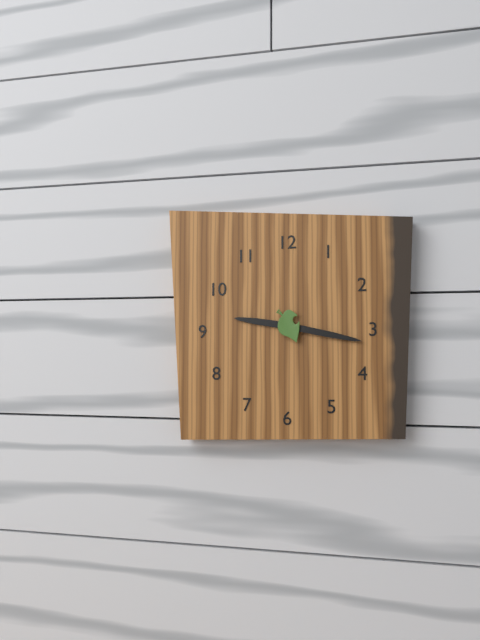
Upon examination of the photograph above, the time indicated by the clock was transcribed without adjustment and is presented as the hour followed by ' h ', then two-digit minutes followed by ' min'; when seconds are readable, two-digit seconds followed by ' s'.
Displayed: 9 h 17 min
